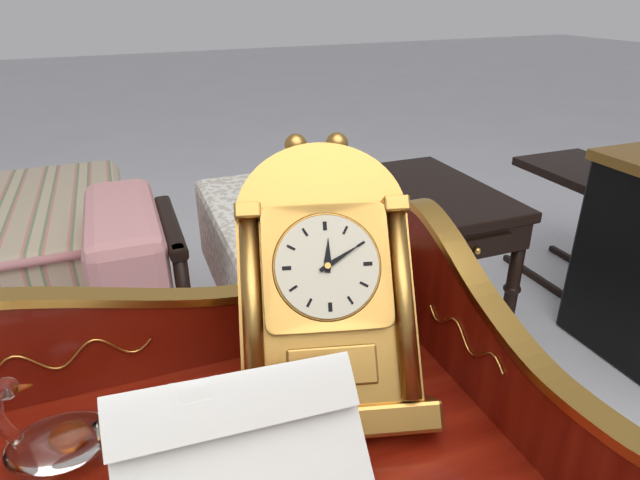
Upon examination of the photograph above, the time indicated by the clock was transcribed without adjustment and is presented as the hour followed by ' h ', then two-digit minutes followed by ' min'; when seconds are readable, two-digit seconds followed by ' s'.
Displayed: 12 h 10 min
